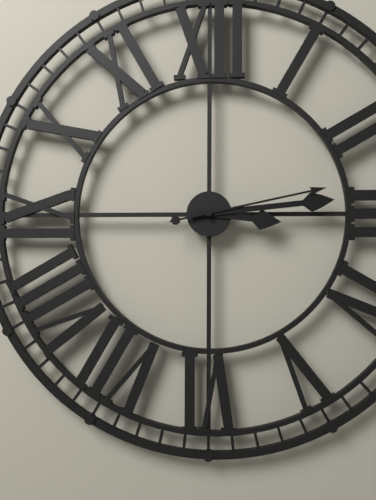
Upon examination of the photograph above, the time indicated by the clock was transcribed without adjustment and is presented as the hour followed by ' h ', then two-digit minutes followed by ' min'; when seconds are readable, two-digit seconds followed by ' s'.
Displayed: 3 h 14 min 13 s
